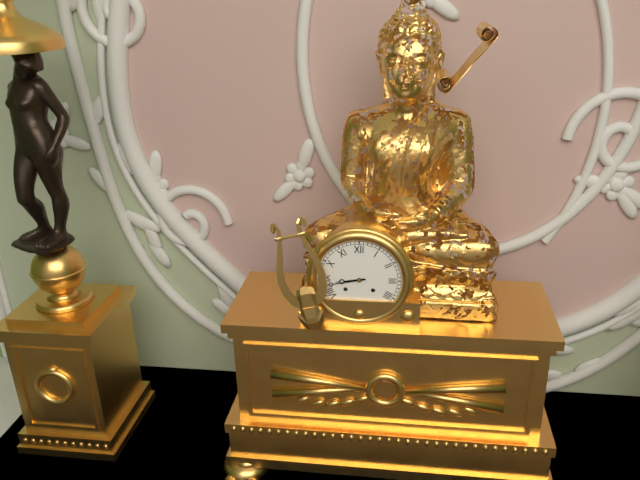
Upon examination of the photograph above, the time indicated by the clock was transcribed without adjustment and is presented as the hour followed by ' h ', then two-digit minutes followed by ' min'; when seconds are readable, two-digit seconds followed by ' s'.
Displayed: 8 h 43 min
